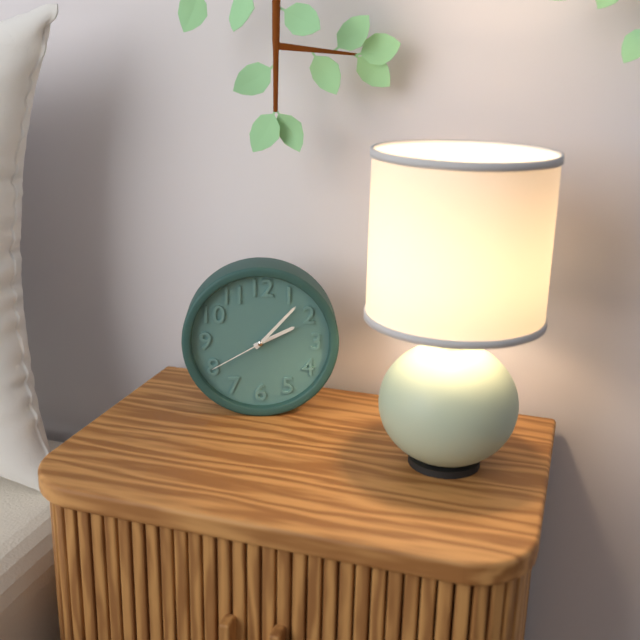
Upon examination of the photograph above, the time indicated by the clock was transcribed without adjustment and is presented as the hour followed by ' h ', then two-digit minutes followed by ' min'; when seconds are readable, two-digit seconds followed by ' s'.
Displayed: 2 h 07 min 40 s
